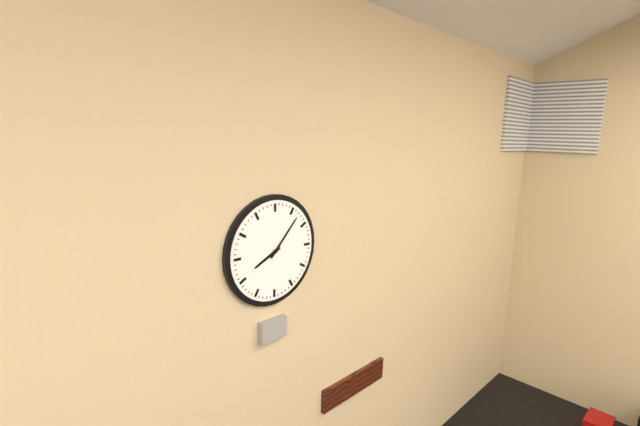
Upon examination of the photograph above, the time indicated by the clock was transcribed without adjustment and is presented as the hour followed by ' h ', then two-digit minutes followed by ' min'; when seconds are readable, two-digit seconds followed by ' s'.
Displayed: 8 h 07 min
